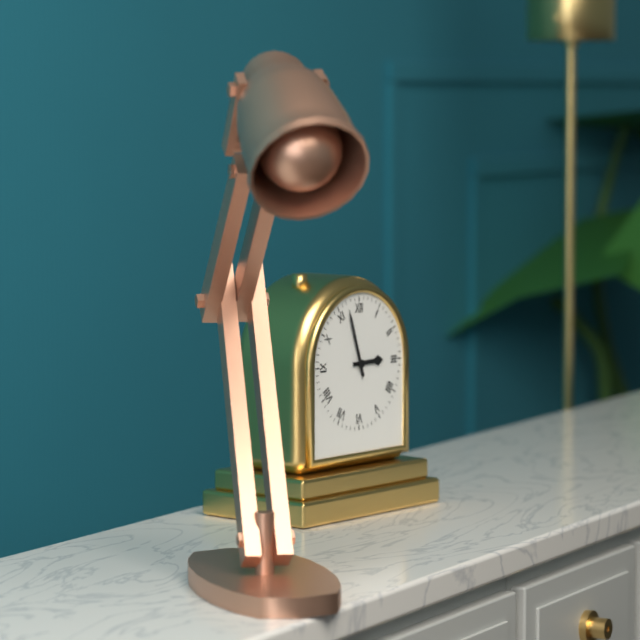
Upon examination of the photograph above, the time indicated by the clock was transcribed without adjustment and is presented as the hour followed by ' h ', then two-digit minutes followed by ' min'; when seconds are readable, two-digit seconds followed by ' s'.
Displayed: 2 h 57 min
